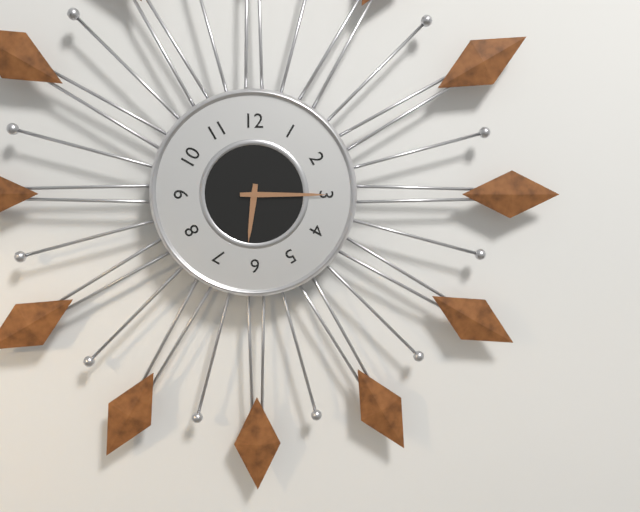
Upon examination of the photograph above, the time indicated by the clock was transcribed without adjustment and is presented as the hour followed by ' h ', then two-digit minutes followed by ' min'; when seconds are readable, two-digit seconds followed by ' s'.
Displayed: 6 h 15 min
